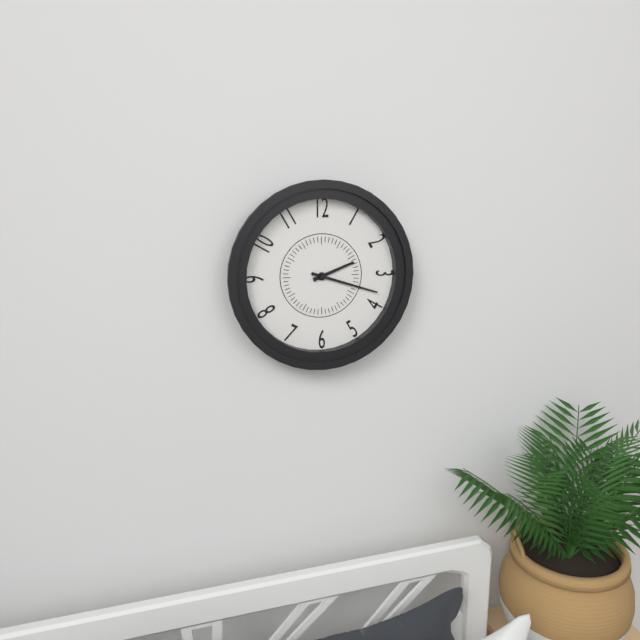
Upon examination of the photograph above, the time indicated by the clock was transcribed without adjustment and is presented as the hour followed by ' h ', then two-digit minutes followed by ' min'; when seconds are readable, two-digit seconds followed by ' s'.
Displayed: 2 h 18 min
